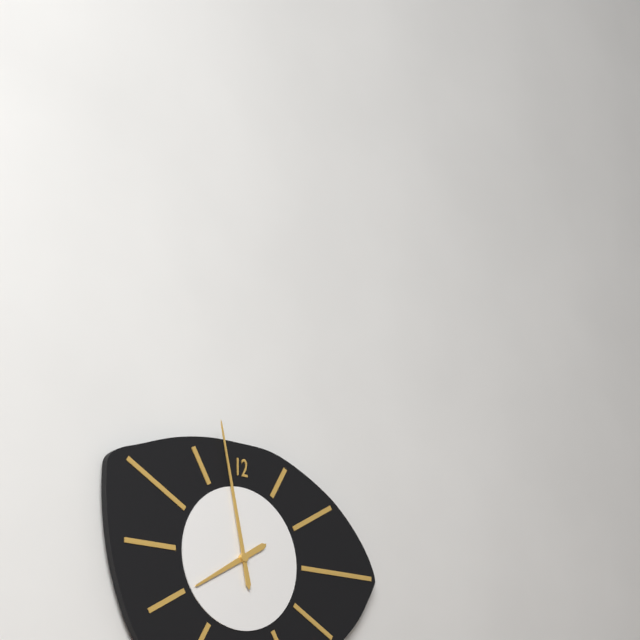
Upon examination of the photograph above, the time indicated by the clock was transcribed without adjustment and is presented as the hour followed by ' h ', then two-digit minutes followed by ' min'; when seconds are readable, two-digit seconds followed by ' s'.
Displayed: 7 h 58 min
